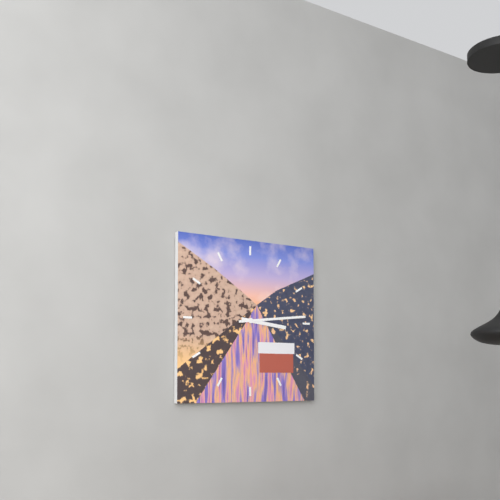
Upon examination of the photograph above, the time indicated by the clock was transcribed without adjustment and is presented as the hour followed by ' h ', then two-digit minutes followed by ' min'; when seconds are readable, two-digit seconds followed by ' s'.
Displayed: 3 h 14 min
